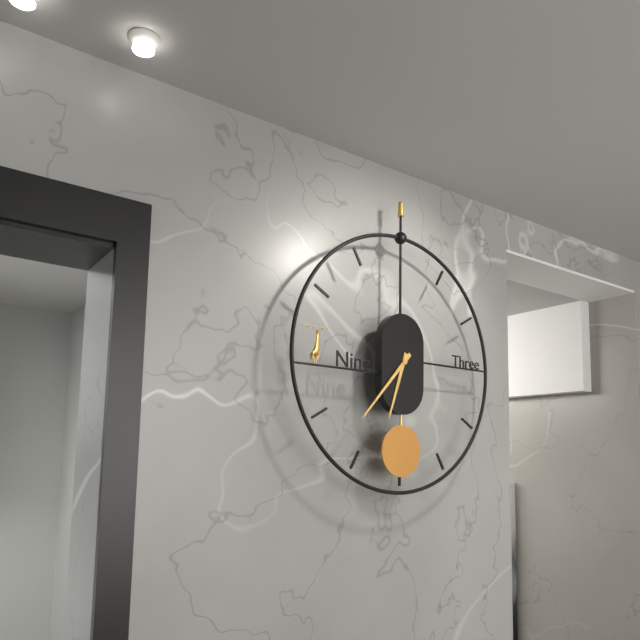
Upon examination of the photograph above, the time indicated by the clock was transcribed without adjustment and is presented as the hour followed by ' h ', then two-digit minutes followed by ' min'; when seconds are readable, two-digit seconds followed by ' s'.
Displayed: 6 h 37 min
